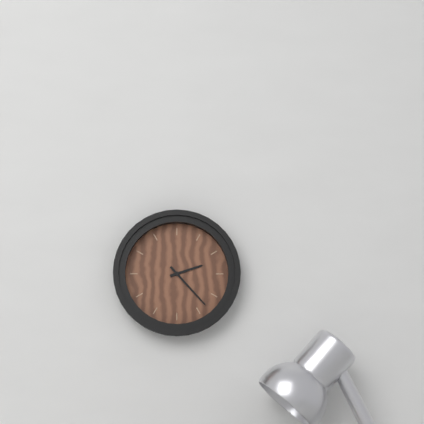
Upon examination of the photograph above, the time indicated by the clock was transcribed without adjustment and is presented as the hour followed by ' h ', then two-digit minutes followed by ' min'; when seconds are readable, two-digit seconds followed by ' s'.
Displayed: 2 h 23 min
